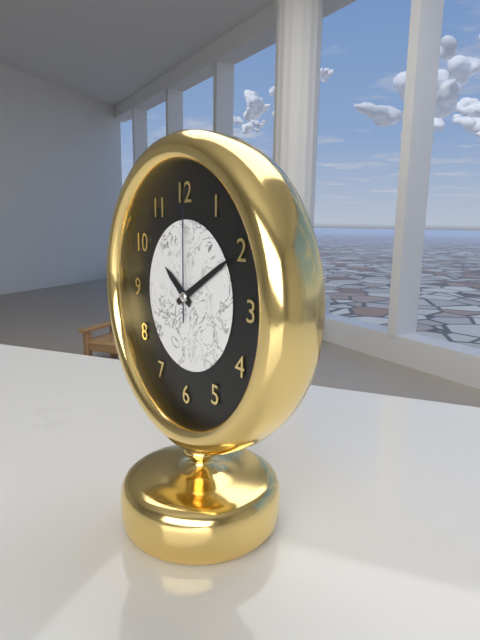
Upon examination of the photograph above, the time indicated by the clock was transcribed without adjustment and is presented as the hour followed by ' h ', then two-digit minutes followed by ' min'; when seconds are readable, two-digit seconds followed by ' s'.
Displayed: 10 h 10 min 00 s
